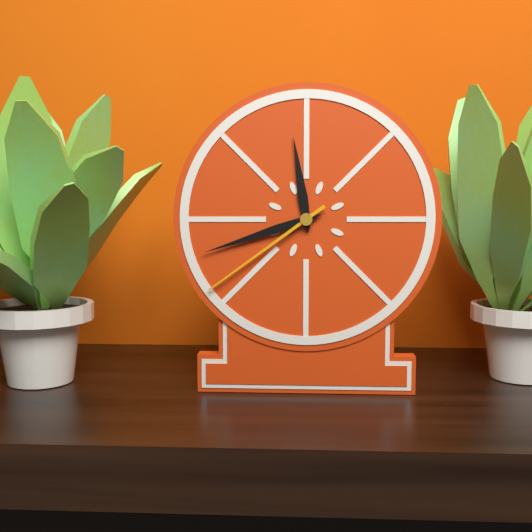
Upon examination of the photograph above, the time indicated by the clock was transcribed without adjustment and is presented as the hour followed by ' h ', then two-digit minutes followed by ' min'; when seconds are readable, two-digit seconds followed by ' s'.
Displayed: 11 h 42 min 39 s
